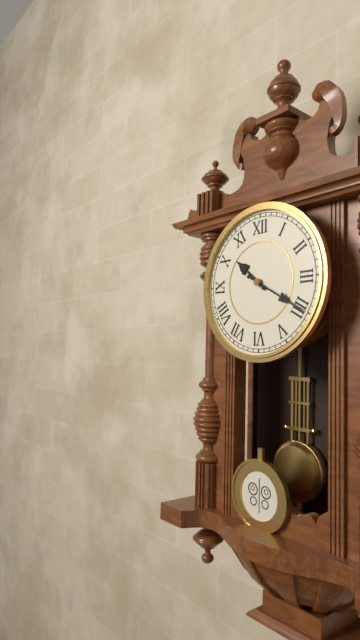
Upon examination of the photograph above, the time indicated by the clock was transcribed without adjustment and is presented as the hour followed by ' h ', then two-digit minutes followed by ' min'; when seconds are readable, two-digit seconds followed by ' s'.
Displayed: 10 h 20 min
